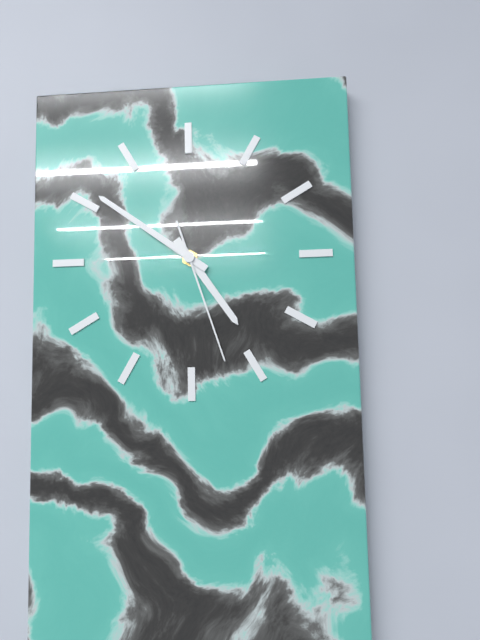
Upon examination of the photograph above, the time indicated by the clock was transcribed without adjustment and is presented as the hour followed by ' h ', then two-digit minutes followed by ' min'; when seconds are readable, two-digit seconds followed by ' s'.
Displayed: 4 h 51 min 27 s
